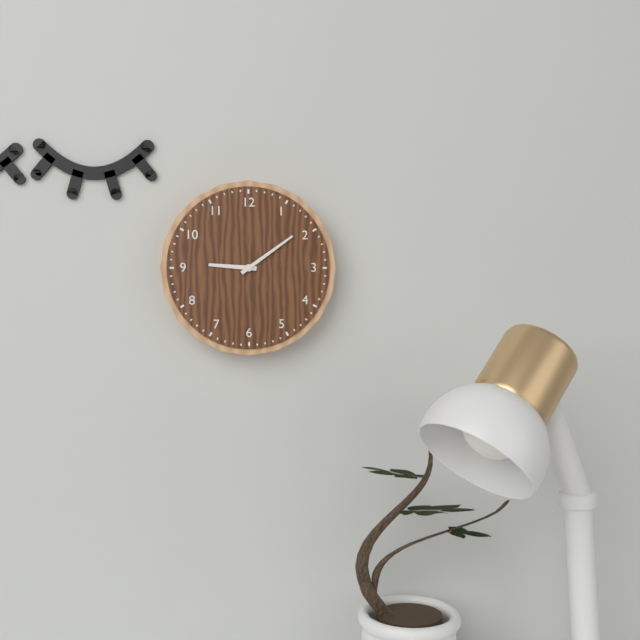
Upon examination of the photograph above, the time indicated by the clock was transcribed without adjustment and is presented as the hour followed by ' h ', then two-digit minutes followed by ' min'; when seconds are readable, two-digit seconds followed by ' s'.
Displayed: 9 h 09 min
